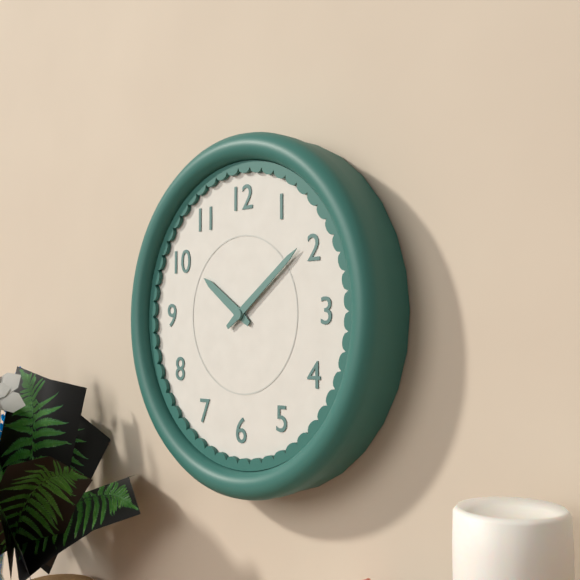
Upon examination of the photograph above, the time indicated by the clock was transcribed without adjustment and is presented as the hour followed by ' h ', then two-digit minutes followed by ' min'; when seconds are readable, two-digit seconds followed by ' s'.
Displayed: 10 h 09 min
